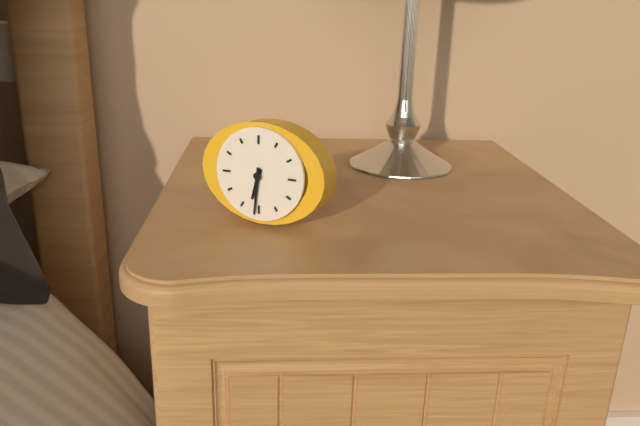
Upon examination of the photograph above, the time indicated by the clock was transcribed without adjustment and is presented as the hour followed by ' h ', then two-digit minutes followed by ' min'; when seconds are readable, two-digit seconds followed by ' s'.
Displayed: 6 h 31 min
